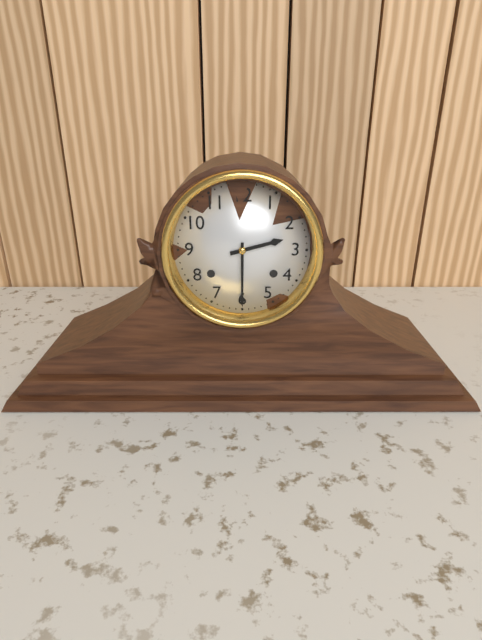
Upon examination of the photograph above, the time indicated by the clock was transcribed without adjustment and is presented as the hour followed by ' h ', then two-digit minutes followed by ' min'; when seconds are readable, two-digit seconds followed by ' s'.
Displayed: 2 h 30 min
